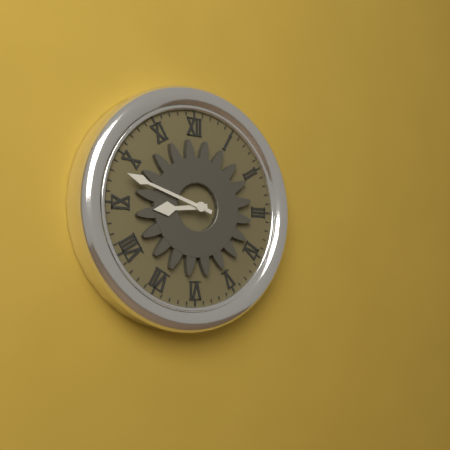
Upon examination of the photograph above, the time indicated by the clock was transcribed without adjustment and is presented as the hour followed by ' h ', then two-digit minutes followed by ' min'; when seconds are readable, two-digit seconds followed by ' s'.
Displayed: 8 h 48 min
